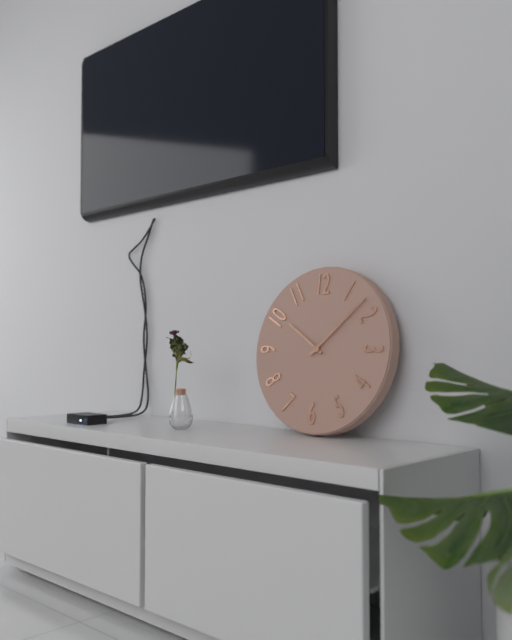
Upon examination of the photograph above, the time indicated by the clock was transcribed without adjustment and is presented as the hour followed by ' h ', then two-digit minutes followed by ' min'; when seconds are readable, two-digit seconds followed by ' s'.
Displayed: 10 h 08 min
